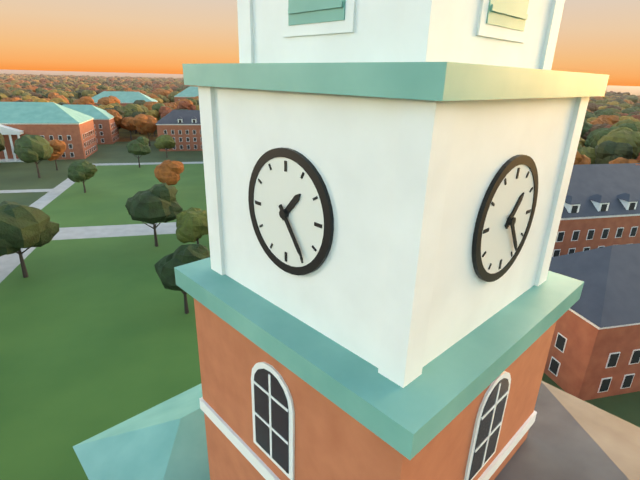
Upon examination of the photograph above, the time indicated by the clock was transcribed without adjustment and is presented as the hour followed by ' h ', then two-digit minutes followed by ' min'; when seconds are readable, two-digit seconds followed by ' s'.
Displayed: 1 h 24 min
